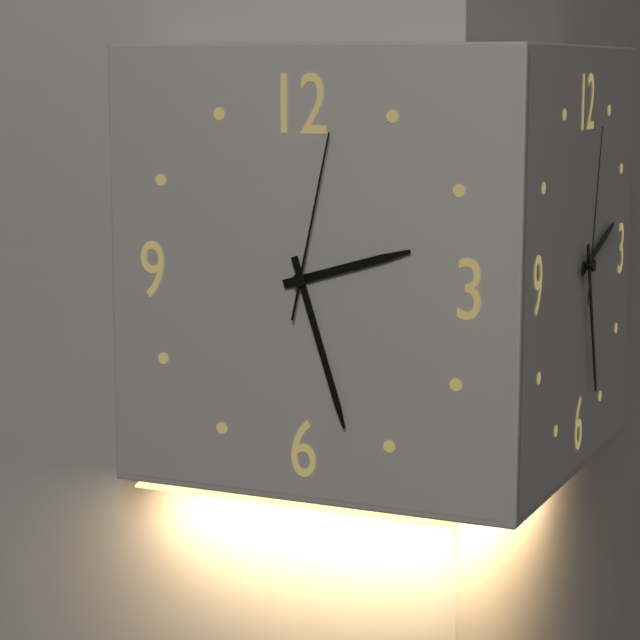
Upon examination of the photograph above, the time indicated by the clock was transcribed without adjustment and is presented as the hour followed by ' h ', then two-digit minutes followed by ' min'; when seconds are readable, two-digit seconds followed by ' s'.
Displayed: 2 h 27 min 02 s
